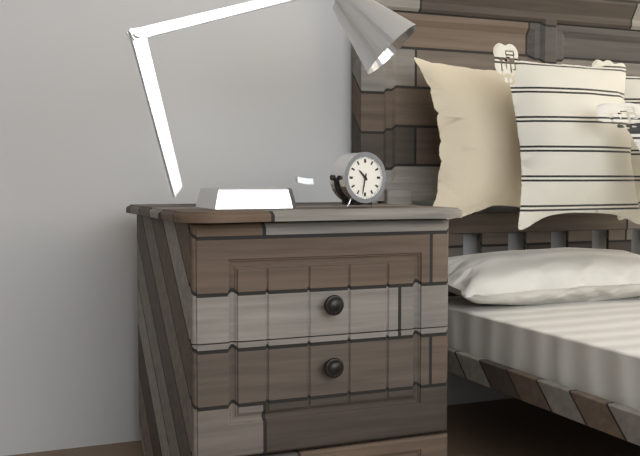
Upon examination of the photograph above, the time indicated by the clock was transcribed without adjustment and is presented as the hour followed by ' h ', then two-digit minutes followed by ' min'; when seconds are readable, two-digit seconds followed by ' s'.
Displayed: 10 h 32 min
